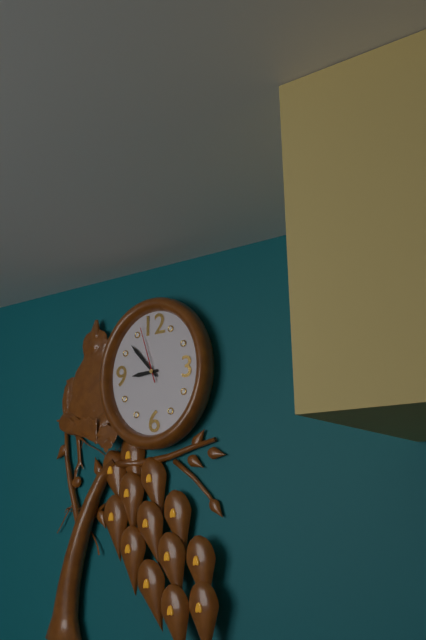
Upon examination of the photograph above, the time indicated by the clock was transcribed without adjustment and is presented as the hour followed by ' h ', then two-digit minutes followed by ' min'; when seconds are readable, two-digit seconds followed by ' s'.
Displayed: 8 h 53 min 57 s
